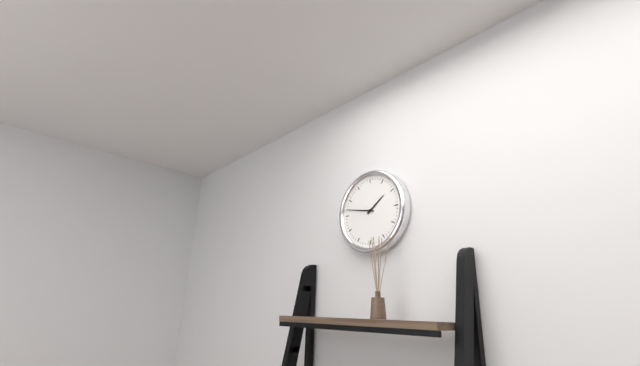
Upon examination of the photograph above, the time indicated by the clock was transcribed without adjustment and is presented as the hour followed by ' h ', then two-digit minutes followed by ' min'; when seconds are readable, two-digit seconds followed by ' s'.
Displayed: 1 h 47 min
